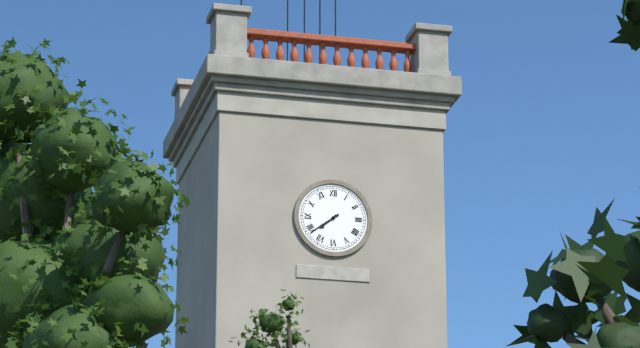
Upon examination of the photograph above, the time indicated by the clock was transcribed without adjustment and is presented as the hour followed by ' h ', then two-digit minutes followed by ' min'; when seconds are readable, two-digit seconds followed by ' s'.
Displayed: 7 h 39 min
